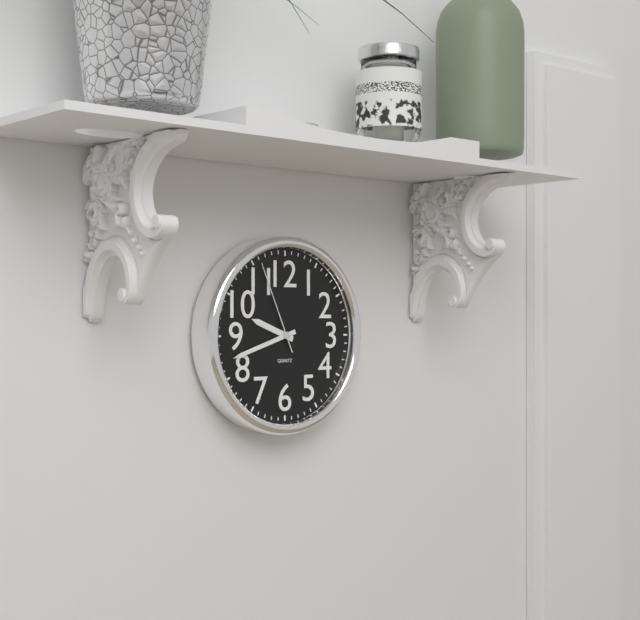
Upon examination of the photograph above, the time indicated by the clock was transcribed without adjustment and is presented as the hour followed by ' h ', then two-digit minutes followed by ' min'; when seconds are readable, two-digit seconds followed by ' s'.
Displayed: 9 h 42 min 56 s
